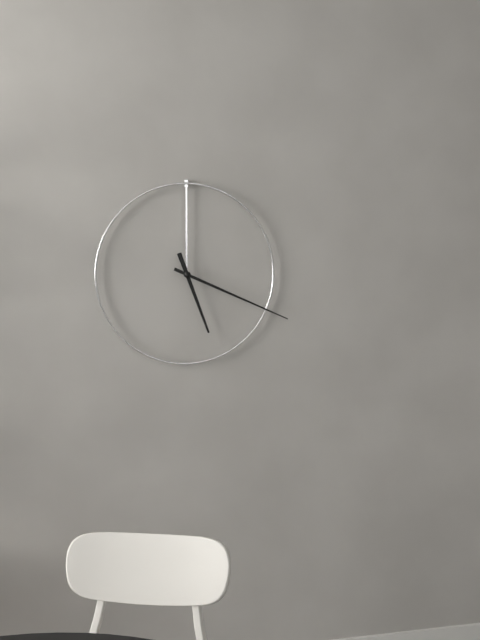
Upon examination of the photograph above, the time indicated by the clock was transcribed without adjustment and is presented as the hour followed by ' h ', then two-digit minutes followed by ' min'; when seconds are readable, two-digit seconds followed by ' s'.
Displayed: 5 h 19 min
